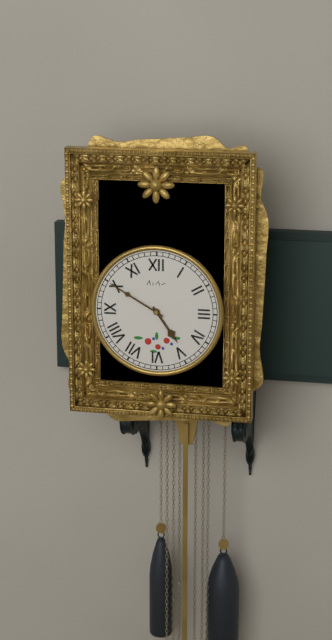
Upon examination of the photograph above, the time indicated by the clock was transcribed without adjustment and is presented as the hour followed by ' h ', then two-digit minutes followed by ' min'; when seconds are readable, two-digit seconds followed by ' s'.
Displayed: 4 h 50 min
